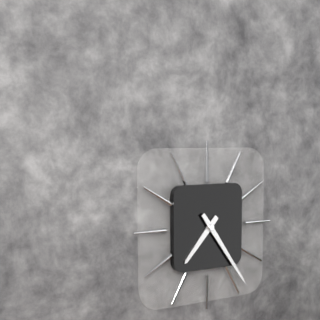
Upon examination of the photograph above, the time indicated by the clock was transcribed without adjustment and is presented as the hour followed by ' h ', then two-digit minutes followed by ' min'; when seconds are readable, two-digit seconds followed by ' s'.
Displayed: 7 h 24 min
